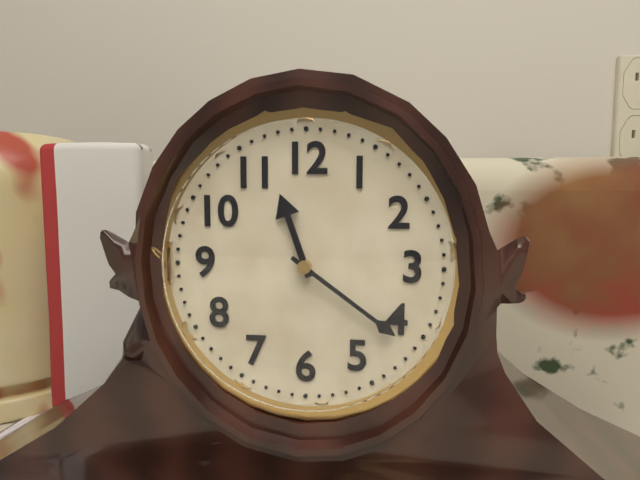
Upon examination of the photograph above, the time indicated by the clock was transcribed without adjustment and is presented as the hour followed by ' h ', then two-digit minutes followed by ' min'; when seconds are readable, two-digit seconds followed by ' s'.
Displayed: 11 h 21 min
